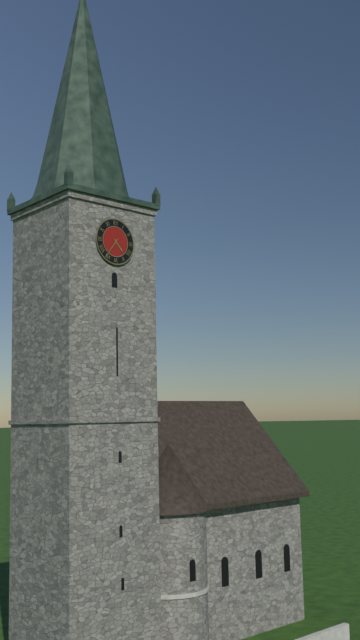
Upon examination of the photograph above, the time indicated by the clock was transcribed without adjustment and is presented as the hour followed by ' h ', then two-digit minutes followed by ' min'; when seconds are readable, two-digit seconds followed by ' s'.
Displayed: 4 h 36 min
